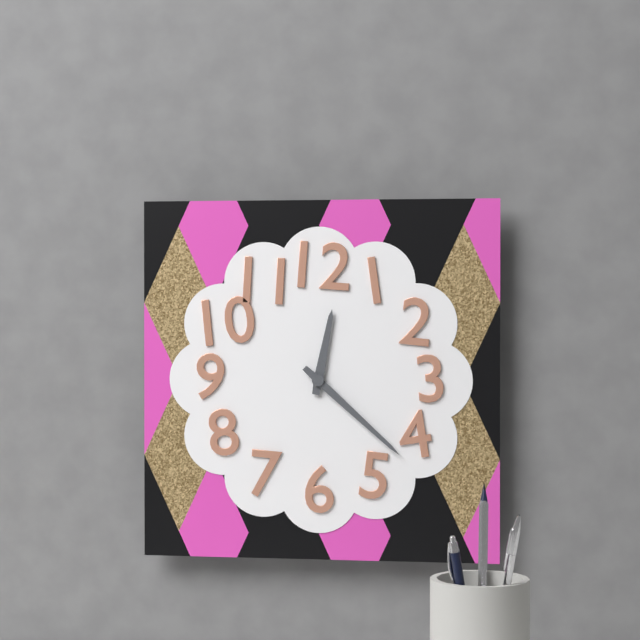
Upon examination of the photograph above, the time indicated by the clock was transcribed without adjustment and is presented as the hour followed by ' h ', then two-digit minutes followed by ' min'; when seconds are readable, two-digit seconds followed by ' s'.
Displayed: 12 h 22 min
